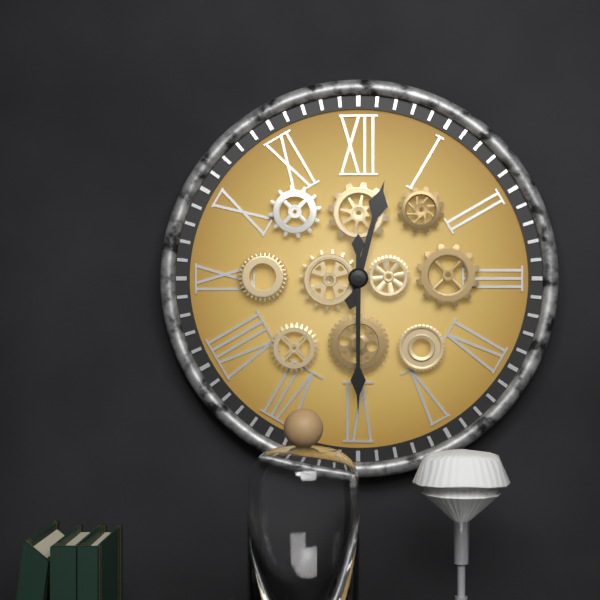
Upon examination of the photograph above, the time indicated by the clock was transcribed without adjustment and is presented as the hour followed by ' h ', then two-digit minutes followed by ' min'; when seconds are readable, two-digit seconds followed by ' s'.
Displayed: 12 h 30 min
